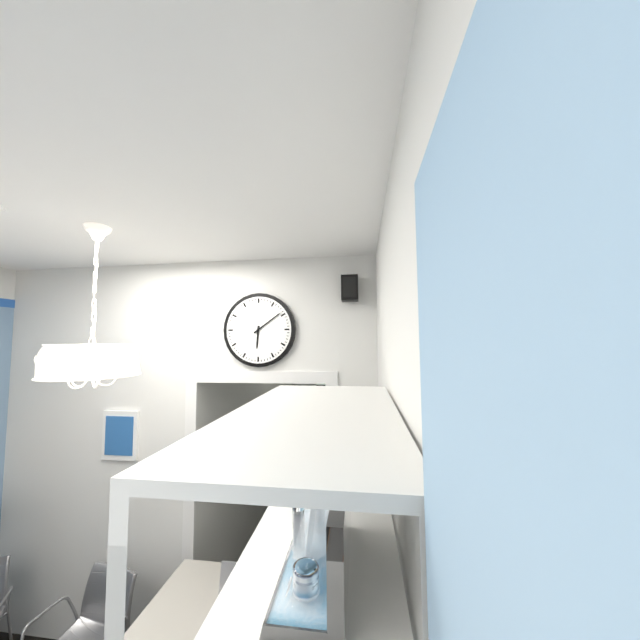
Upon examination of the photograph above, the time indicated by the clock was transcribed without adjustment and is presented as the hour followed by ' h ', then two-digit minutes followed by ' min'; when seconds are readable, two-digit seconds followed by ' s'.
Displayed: 6 h 09 min
